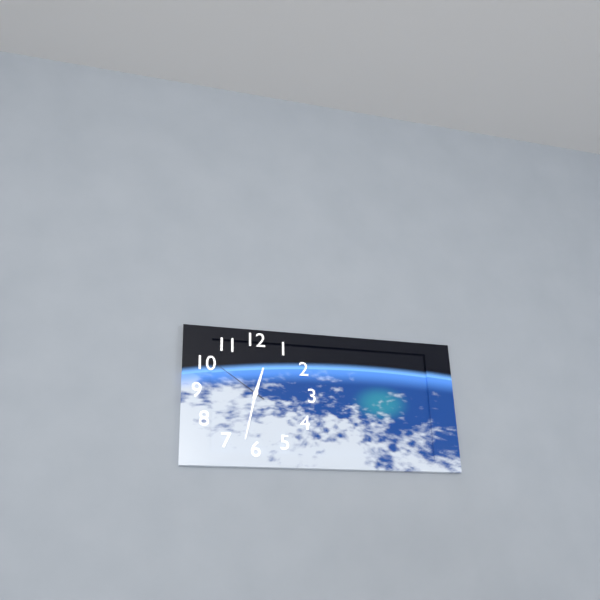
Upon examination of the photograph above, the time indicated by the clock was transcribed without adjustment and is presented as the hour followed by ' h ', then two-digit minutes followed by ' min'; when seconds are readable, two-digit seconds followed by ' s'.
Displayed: 12 h 32 min 51 s
